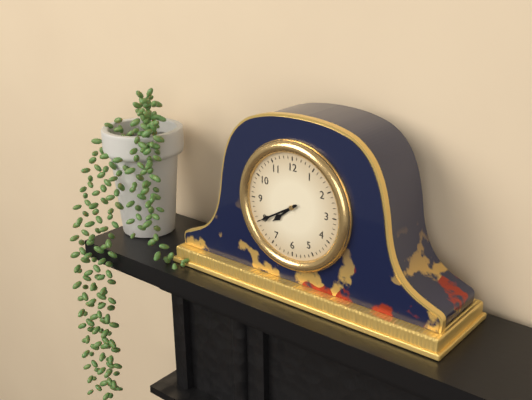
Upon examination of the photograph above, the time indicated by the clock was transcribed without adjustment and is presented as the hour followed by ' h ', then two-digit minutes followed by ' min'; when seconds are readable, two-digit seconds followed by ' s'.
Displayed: 7 h 40 min
